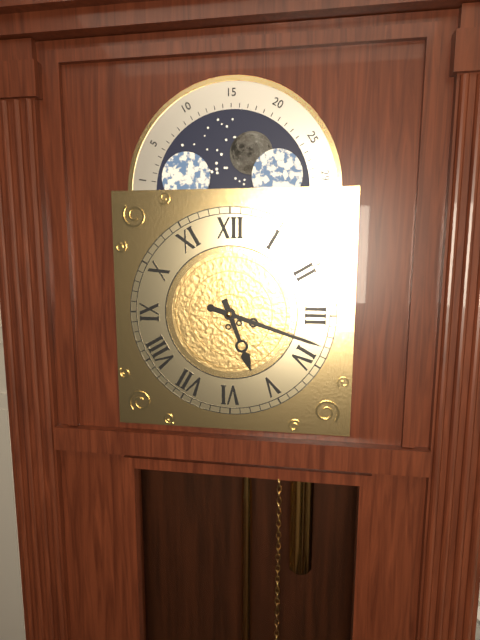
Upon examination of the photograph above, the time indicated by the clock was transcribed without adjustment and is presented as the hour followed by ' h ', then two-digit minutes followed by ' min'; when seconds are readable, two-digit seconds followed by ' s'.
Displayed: 5 h 18 min
